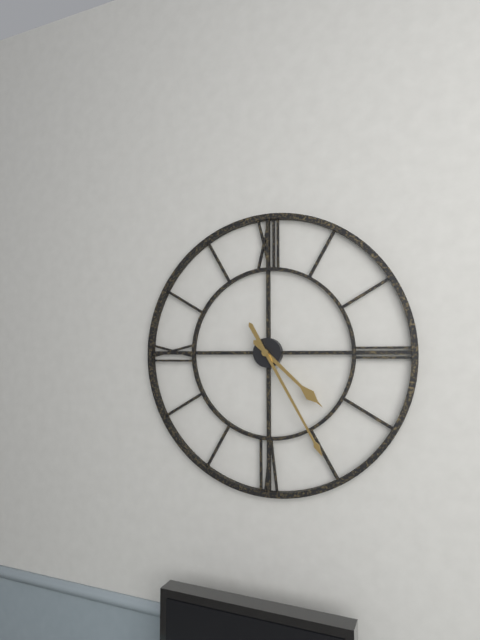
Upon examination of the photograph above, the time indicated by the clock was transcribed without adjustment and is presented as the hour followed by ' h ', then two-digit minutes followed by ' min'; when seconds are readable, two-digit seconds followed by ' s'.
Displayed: 4 h 25 min
